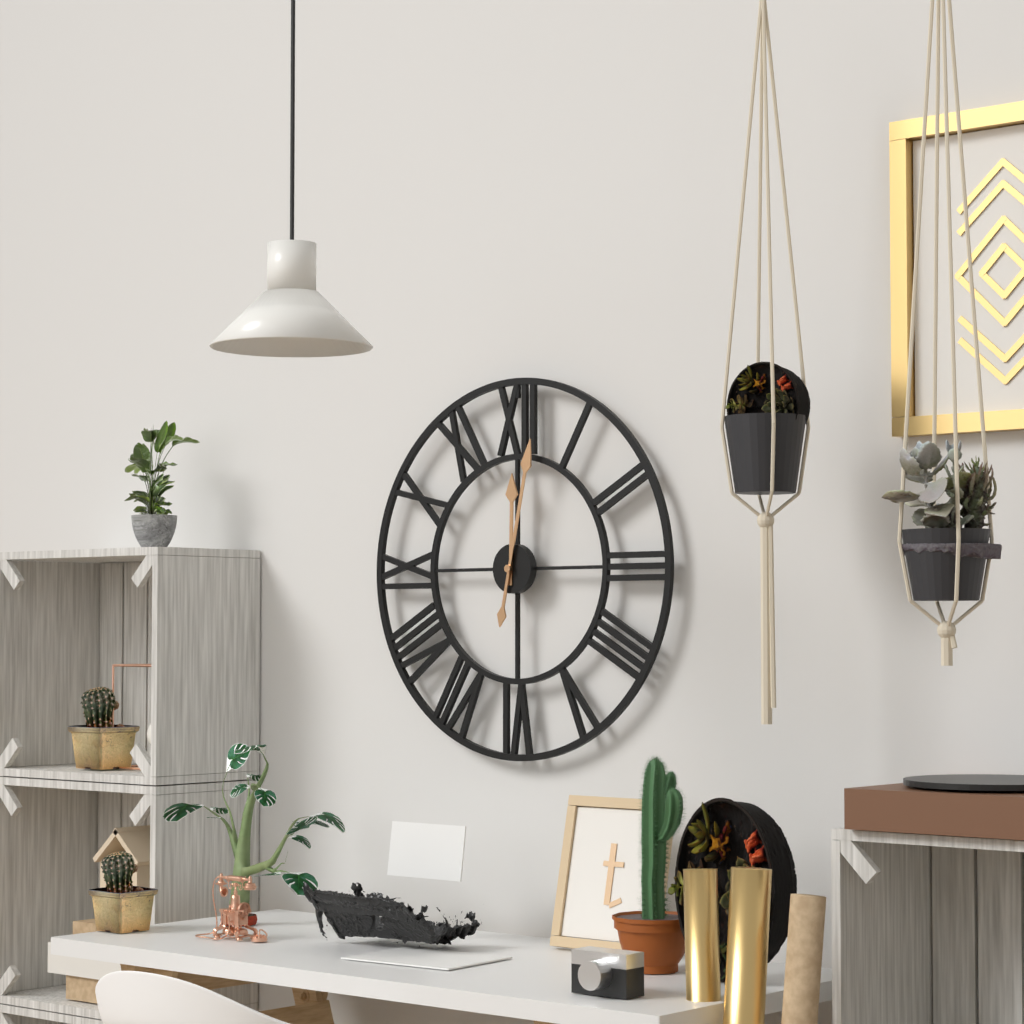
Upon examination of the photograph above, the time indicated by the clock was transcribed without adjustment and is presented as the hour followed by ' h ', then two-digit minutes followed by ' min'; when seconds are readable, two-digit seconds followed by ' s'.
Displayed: 12 h 02 min
